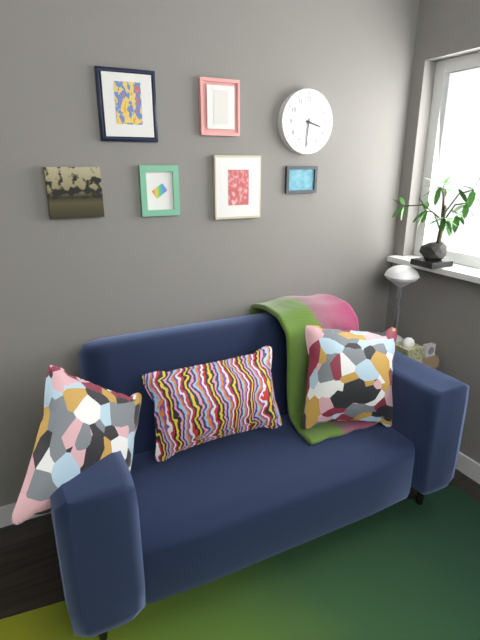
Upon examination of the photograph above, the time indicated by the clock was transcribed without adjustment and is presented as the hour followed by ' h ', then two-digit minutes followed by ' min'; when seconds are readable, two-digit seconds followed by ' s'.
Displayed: 3 h 31 min
